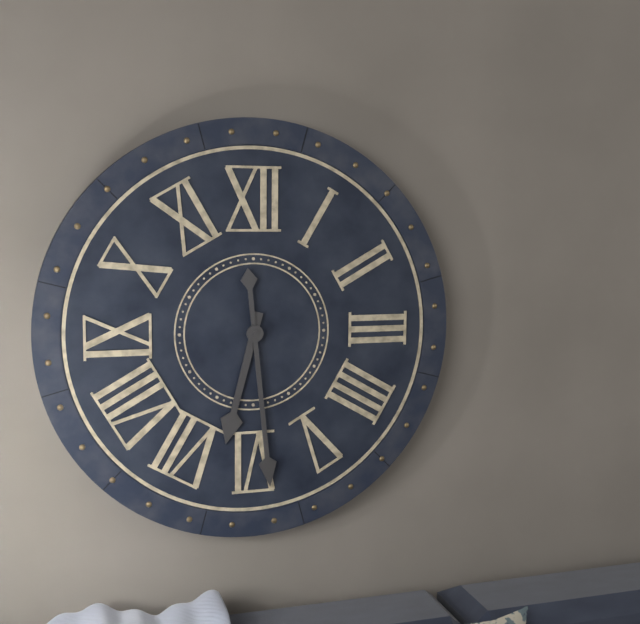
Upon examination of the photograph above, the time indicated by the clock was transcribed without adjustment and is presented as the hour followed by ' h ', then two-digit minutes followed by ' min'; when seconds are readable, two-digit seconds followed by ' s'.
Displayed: 6 h 29 min
